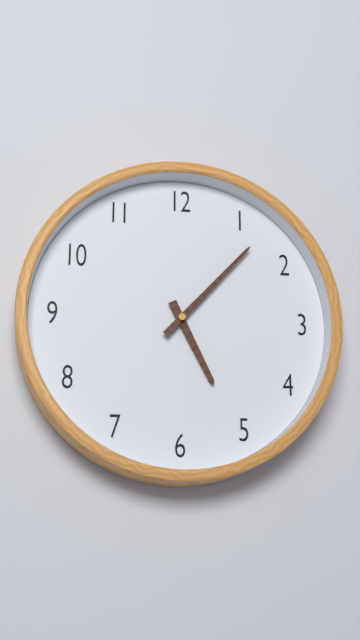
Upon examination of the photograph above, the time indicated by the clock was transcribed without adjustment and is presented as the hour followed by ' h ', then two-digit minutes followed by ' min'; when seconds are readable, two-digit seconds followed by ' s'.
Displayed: 5 h 07 min
